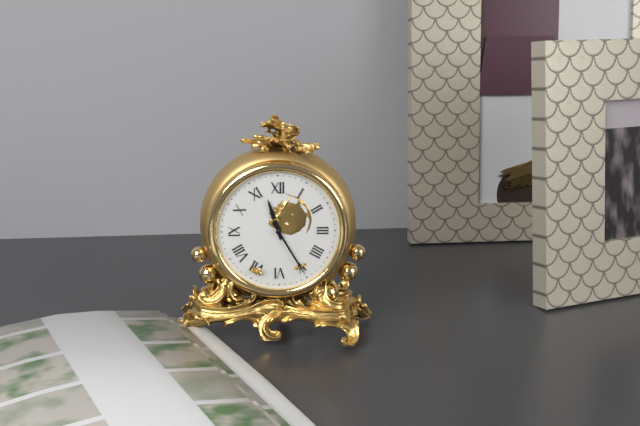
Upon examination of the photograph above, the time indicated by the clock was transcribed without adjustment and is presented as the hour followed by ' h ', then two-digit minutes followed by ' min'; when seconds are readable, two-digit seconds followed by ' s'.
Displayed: 11 h 25 min
